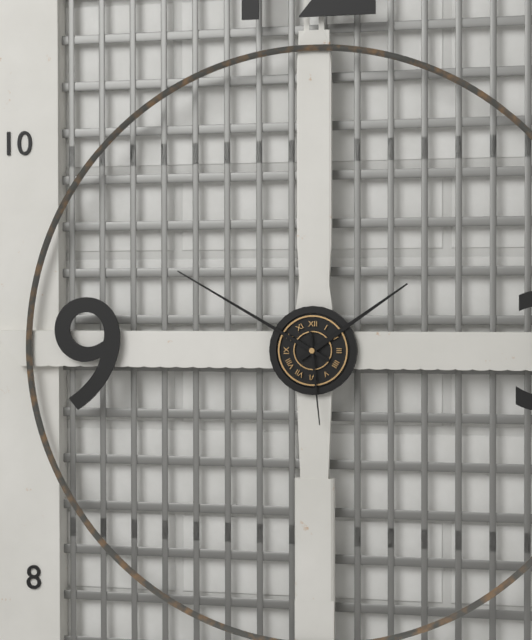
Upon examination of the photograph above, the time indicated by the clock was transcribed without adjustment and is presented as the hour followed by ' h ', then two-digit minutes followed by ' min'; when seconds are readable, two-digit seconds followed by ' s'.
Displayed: 1 h 50 min 29 s
